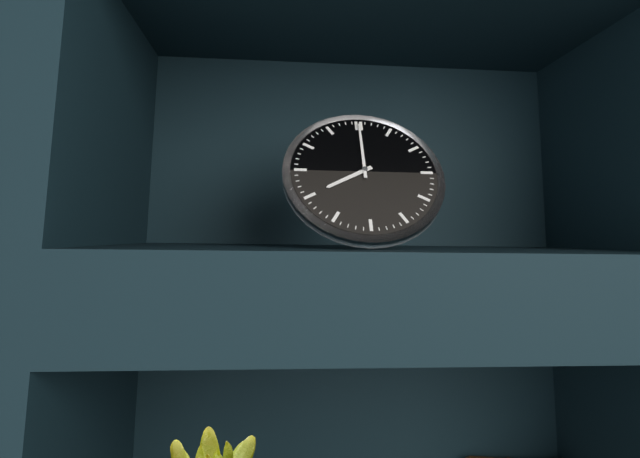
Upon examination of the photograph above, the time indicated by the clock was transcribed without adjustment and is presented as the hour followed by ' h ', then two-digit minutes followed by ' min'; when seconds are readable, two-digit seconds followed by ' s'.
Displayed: 8 h 00 min
